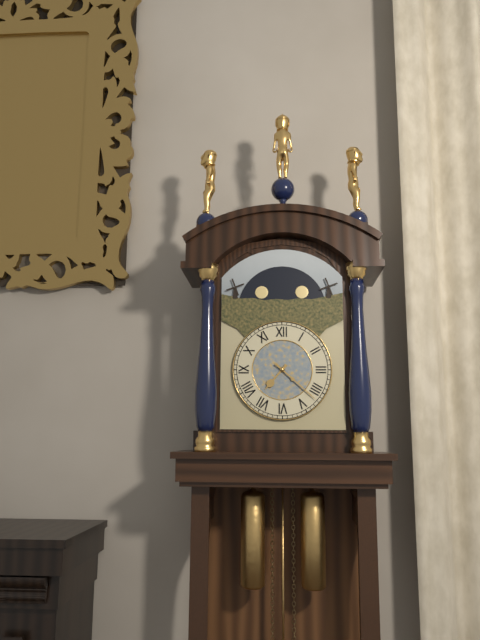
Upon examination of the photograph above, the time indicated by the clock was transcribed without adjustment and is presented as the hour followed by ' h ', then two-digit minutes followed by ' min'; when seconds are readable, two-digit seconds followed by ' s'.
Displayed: 7 h 22 min
